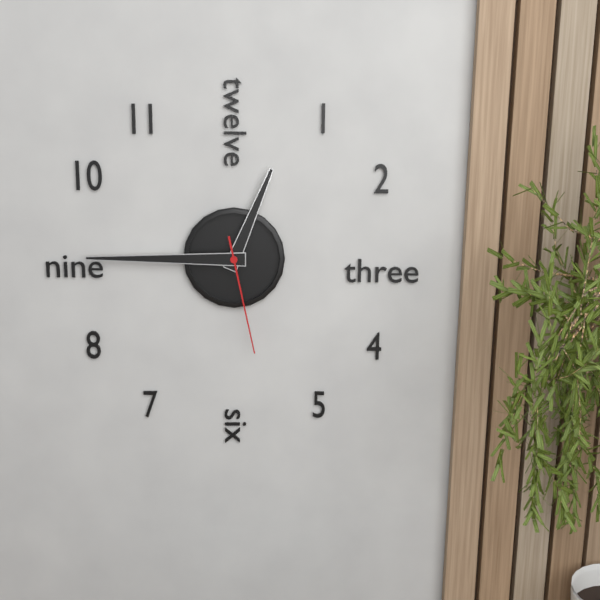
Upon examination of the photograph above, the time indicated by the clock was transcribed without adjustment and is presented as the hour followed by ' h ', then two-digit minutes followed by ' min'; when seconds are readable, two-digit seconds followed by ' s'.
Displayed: 12 h 45 min 28 s
